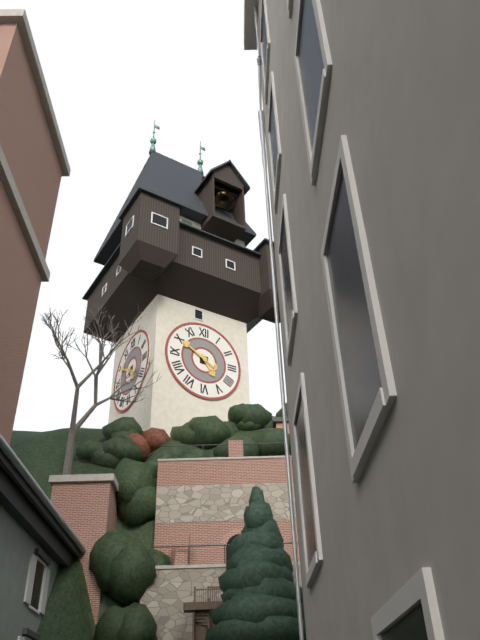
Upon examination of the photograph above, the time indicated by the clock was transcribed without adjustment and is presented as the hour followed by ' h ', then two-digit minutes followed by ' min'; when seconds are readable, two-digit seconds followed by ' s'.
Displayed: 4 h 50 min
